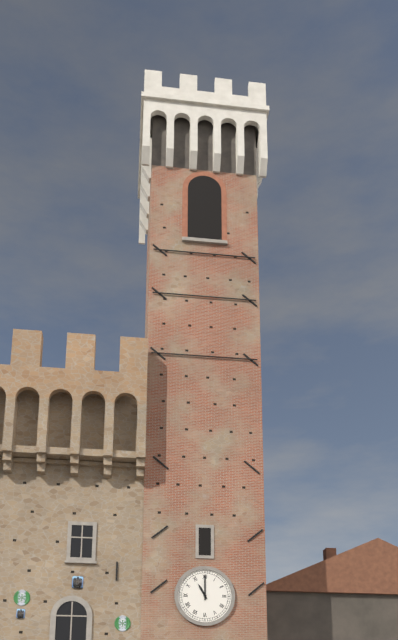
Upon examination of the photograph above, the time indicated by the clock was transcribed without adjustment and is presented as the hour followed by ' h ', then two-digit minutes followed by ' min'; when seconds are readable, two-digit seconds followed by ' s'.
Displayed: 11 h 00 min
